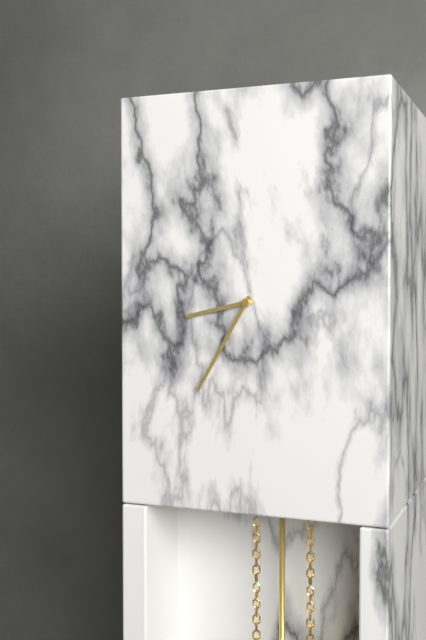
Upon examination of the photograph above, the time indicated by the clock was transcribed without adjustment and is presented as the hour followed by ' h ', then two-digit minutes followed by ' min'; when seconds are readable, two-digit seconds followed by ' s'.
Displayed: 8 h 35 min
